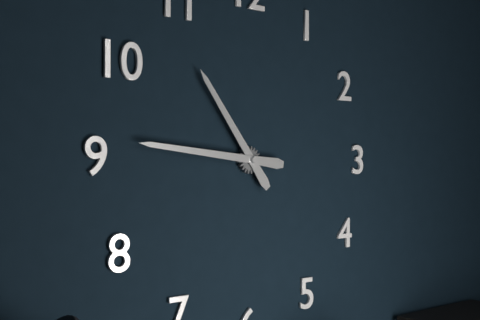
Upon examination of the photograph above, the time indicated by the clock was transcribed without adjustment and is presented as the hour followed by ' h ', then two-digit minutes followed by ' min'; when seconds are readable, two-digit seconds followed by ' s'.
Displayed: 10 h 46 min
